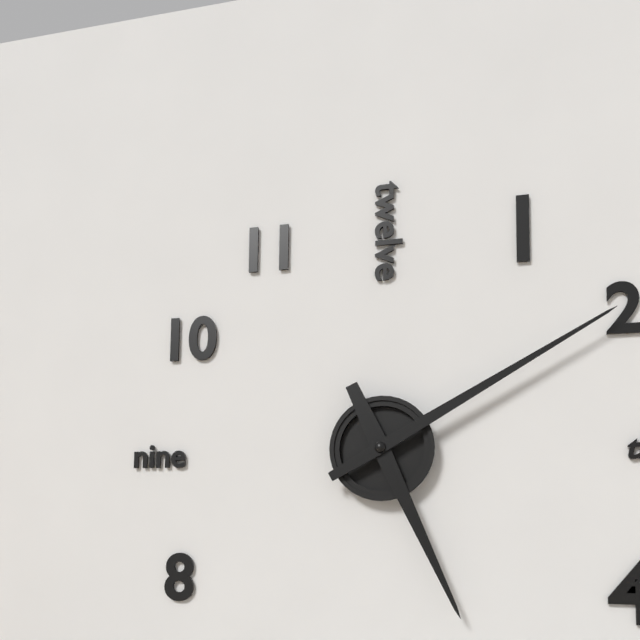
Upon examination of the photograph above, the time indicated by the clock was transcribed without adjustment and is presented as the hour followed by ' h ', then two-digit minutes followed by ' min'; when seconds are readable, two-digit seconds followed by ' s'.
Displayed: 5 h 10 min
